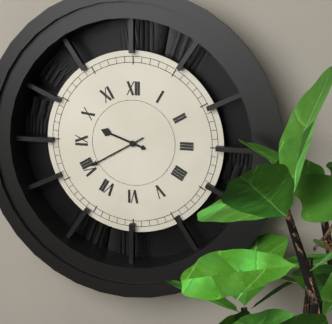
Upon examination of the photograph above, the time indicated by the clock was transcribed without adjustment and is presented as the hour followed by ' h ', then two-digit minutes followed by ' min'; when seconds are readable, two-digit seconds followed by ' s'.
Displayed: 9 h 40 min
